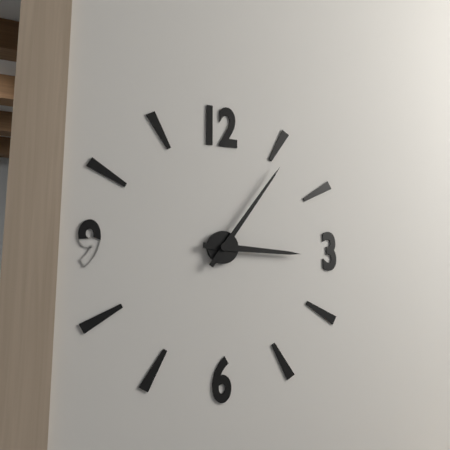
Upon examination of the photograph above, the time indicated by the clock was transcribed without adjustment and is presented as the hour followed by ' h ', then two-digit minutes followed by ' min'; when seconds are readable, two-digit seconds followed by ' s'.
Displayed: 3 h 06 min
